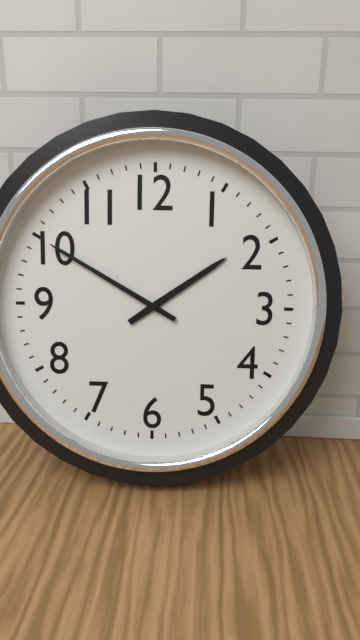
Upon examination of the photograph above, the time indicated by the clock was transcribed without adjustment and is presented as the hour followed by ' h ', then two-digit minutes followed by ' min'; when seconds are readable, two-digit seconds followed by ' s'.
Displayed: 1 h 50 min
